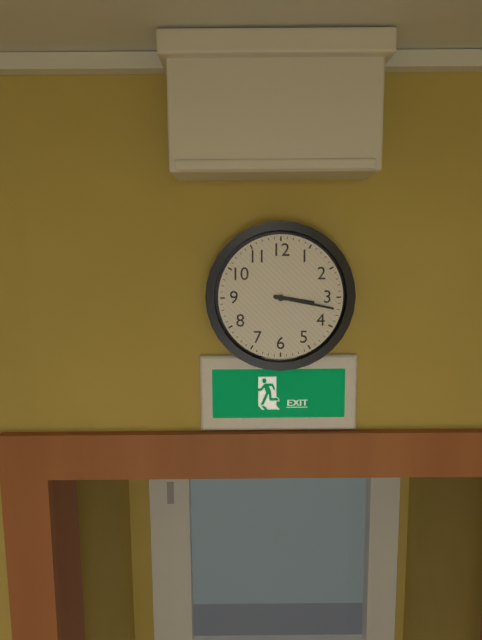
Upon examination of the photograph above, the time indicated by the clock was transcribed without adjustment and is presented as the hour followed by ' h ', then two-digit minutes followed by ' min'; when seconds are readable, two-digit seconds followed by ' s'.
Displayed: 3 h 17 min
